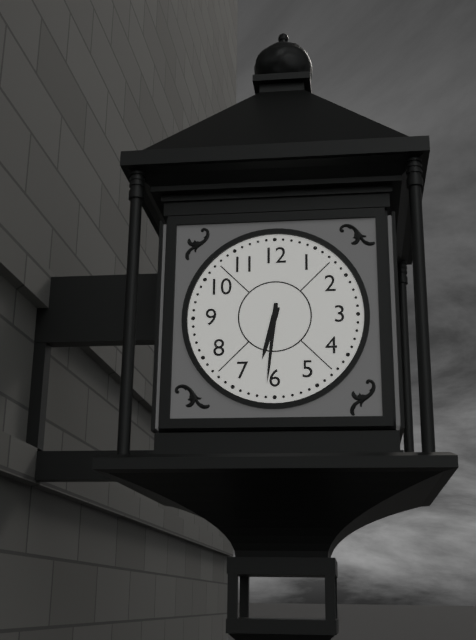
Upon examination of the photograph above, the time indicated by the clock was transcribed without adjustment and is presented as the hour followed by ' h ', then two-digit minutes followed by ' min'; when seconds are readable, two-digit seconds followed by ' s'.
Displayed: 6 h 31 min
